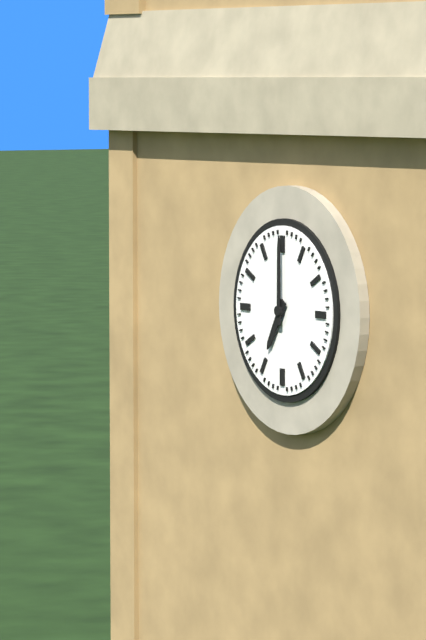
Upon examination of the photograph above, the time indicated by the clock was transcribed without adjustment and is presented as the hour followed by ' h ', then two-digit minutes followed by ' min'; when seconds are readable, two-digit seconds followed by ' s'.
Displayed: 7 h 00 min
